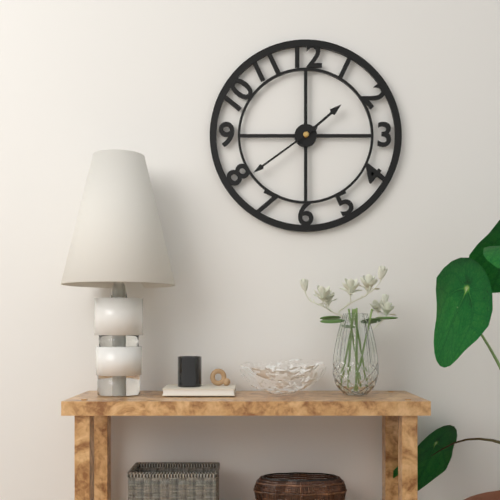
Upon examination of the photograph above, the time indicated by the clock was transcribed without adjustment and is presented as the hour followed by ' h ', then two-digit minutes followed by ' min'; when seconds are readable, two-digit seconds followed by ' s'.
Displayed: 1 h 39 min
